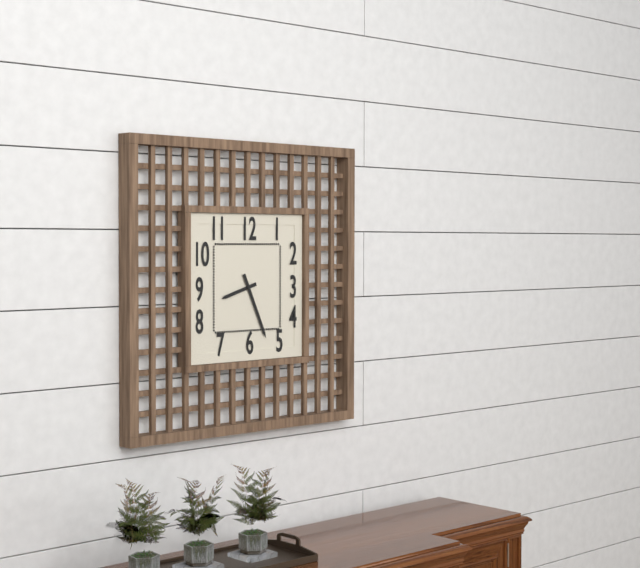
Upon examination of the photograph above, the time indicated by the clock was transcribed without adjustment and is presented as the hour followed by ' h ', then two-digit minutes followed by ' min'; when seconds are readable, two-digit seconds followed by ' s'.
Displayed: 8 h 26 min
